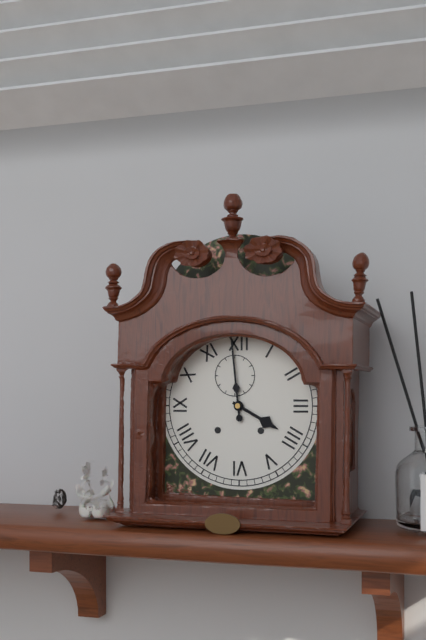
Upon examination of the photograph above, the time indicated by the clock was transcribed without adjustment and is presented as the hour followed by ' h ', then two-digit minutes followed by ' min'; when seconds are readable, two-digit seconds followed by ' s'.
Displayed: 3 h 59 min
